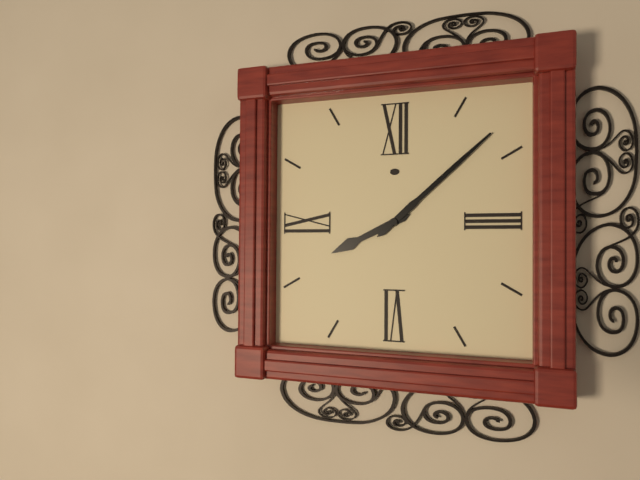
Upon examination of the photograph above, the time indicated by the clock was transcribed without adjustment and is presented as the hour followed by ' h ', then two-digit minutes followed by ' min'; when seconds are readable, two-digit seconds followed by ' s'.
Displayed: 8 h 08 min
